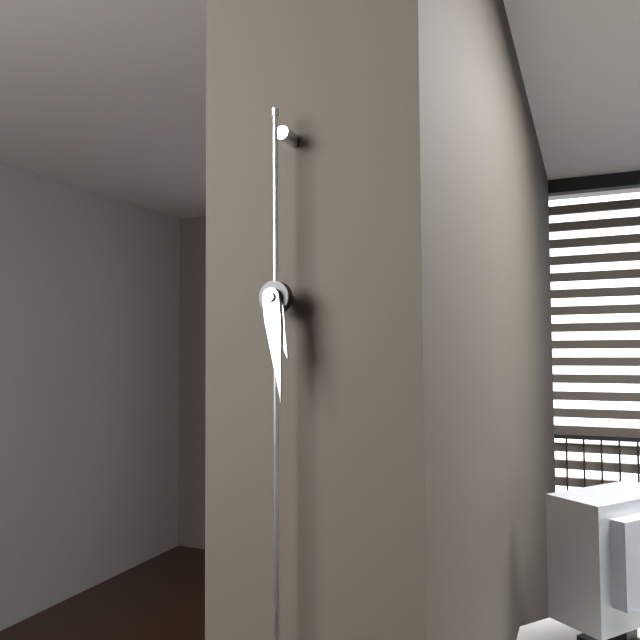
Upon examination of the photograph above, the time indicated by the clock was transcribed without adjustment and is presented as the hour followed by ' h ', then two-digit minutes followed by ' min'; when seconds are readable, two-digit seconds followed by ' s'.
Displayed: 5 h 29 min
